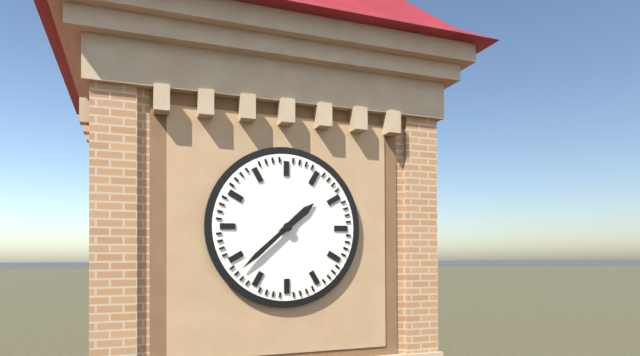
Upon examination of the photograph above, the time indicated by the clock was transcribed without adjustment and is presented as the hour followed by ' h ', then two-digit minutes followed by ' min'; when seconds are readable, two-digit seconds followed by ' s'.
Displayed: 1 h 38 min
